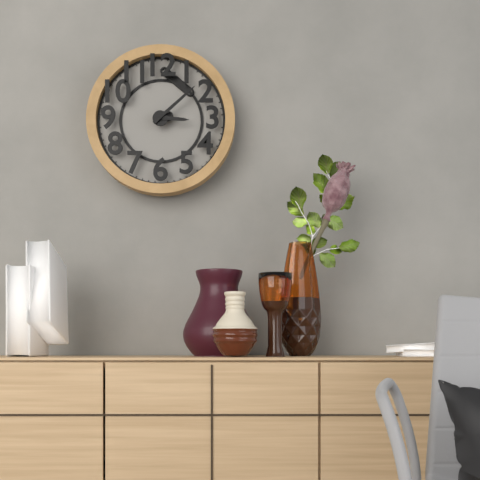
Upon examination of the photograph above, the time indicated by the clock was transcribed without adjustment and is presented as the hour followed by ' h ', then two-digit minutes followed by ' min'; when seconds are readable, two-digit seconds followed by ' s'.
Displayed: 3 h 08 min
